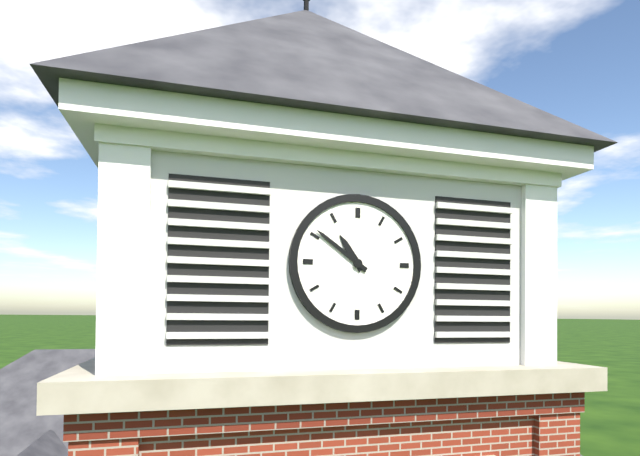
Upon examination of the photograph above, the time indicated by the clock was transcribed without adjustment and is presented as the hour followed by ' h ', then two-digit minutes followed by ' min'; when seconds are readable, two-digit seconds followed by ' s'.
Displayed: 10 h 51 min
